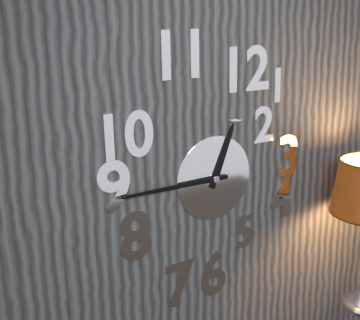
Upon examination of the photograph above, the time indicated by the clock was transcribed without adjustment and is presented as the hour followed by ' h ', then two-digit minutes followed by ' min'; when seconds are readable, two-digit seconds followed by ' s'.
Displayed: 12 h 45 min
